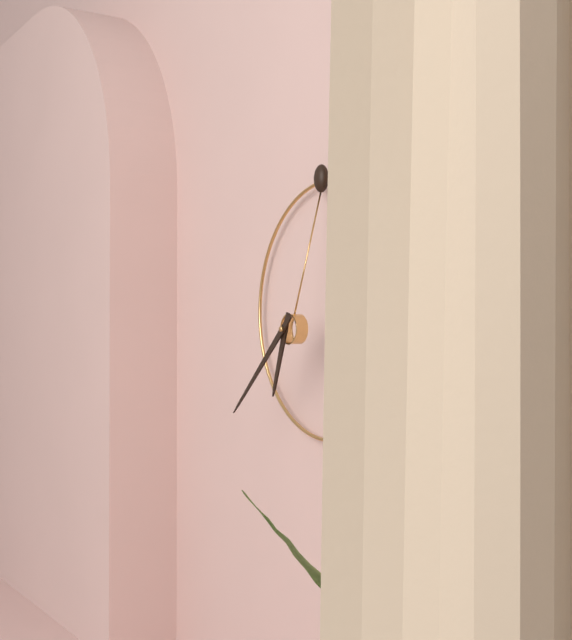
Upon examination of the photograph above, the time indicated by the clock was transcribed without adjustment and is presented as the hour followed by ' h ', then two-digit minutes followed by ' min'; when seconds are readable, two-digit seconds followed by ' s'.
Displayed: 6 h 38 min
